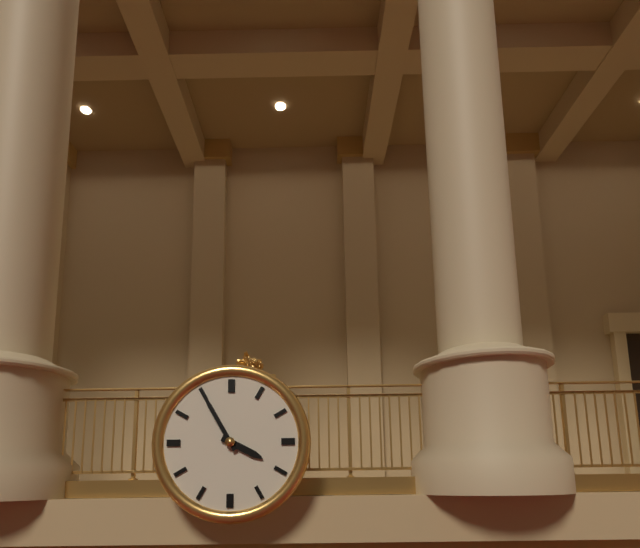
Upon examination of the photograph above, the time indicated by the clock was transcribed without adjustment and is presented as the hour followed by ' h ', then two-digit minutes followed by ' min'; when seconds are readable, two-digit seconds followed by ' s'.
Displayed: 3 h 55 min
